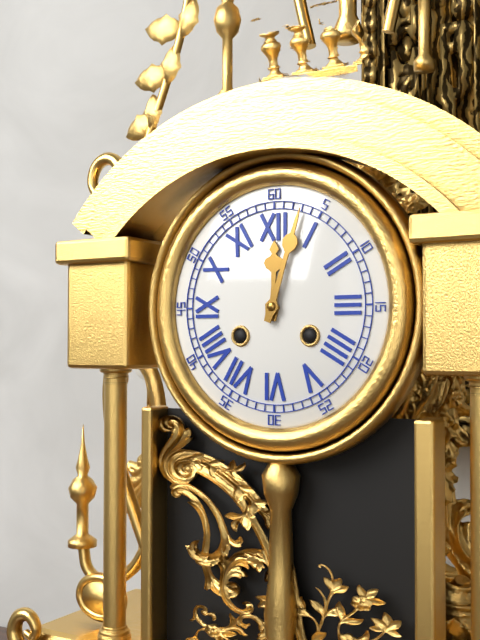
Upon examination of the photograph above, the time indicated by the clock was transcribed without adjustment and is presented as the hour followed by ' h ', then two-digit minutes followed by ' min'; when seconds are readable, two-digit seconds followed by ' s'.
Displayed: 12 h 03 min
